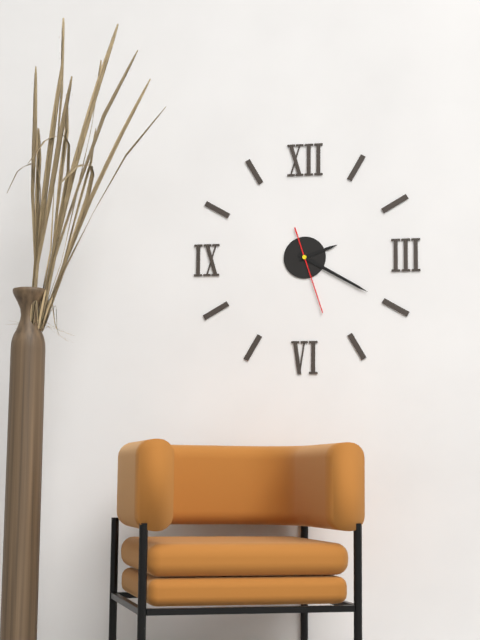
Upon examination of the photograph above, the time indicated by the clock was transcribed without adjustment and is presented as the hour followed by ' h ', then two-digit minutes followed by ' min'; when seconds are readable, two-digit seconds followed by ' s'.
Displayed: 2 h 20 min 27 s
